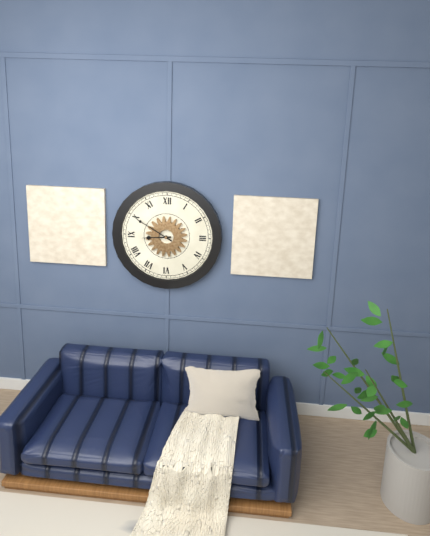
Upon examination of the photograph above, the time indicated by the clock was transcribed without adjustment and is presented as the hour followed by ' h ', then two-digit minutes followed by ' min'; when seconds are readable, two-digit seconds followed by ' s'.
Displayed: 8 h 50 min
